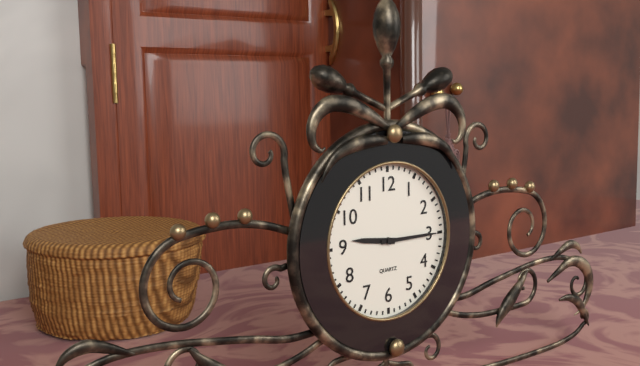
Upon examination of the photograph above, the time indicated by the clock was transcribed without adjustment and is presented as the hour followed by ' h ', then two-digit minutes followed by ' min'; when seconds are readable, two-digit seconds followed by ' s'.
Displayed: 9 h 15 min
